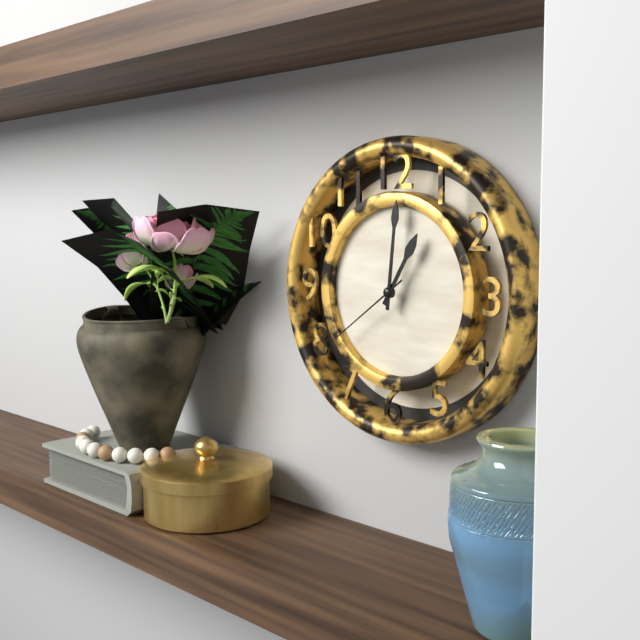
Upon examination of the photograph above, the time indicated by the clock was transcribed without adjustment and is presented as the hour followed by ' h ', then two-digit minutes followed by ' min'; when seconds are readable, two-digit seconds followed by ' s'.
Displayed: 1 h 01 min 39 s
